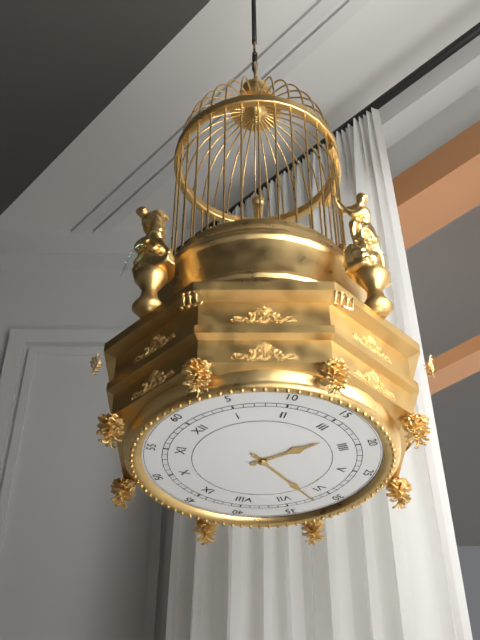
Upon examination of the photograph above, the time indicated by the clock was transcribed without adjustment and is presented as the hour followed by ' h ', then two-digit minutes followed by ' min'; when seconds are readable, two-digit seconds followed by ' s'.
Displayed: 3 h 32 min
